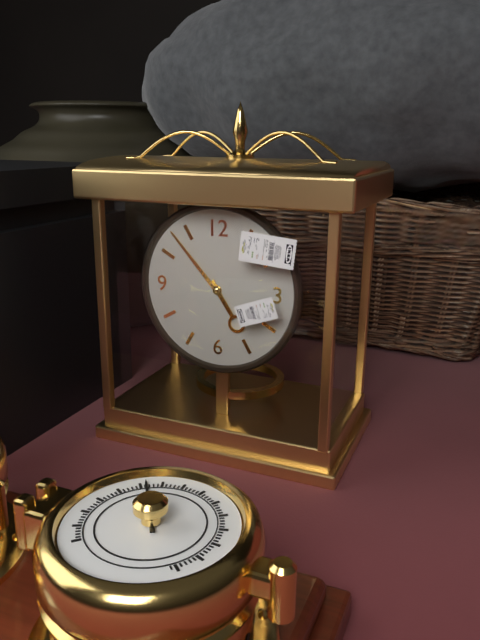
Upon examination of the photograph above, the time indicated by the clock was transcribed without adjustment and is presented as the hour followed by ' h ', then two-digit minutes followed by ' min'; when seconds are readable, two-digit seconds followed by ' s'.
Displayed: 4 h 53 min
